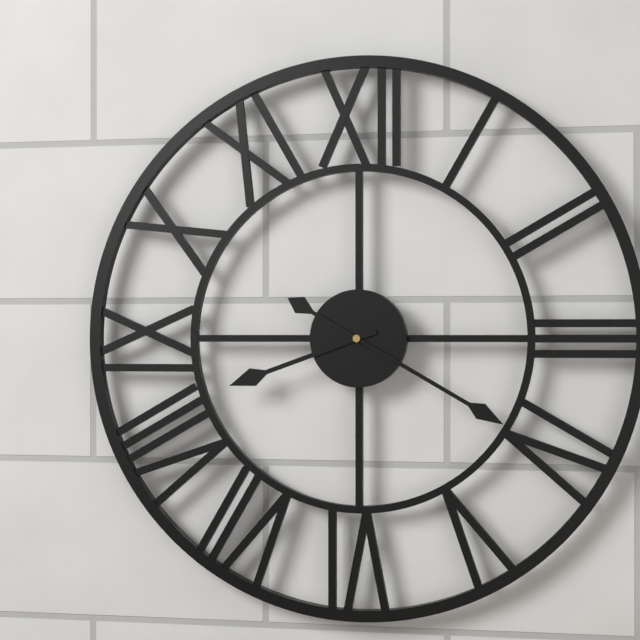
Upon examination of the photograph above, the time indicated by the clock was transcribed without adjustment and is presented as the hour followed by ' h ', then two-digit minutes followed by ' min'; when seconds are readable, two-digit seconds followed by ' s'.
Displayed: 8 h 20 min
